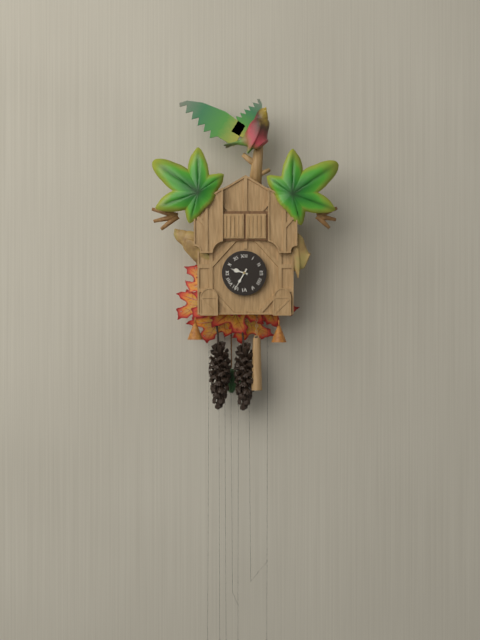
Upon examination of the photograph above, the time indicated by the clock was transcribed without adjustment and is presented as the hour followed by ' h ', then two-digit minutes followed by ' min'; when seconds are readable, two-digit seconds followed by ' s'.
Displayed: 9 h 35 min
